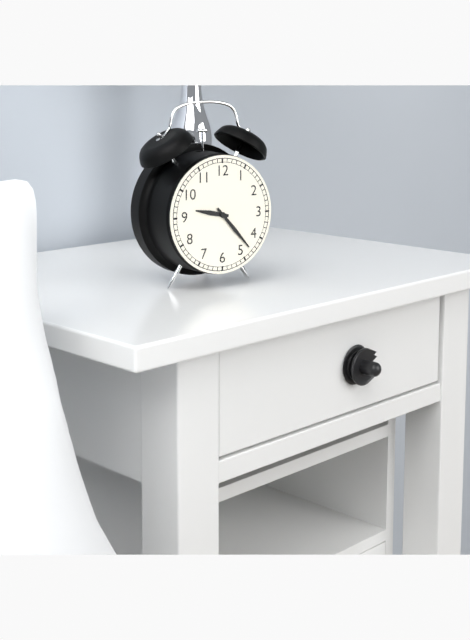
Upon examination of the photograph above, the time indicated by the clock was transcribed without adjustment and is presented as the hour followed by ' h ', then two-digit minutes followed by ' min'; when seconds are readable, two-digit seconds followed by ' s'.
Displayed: 9 h 23 min
